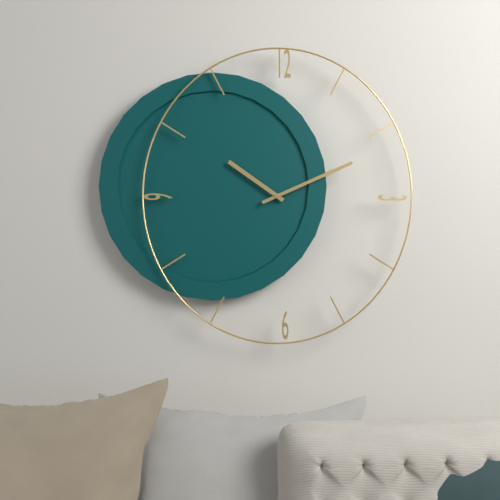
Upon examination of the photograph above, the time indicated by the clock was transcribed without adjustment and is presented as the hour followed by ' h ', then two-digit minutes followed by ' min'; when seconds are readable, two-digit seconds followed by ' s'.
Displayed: 10 h 11 min
